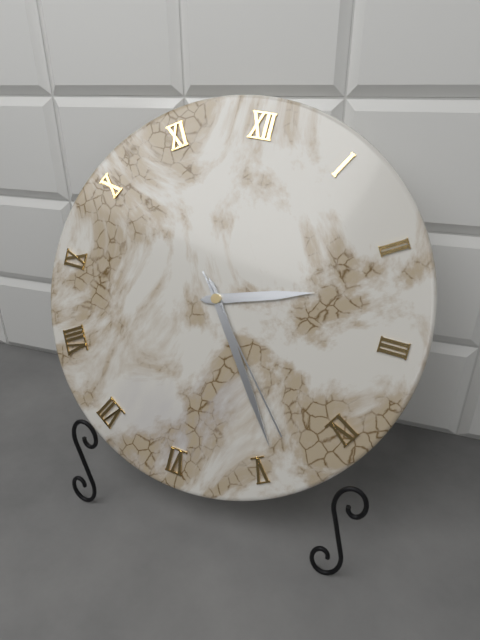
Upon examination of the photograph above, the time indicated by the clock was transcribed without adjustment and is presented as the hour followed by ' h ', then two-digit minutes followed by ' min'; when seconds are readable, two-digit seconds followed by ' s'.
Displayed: 2 h 24 min 23 s
